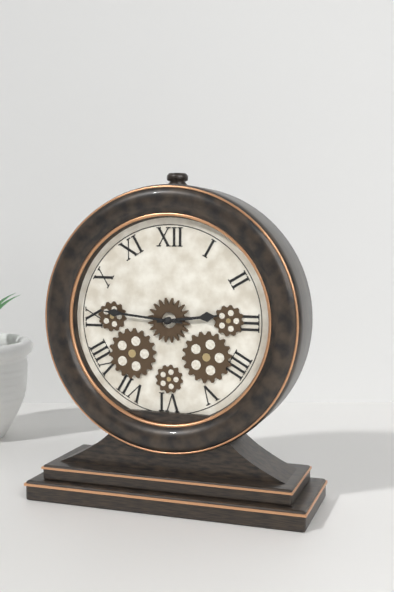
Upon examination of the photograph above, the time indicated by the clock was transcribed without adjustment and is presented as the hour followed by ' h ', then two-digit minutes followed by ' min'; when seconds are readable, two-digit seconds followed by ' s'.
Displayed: 2 h 46 min
